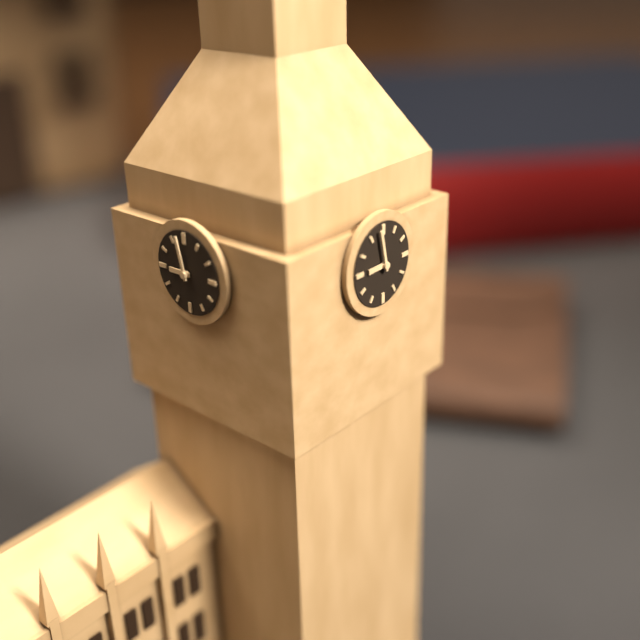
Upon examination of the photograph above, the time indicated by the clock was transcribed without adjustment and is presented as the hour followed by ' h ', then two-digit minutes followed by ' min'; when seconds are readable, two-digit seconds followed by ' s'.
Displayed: 8 h 58 min
